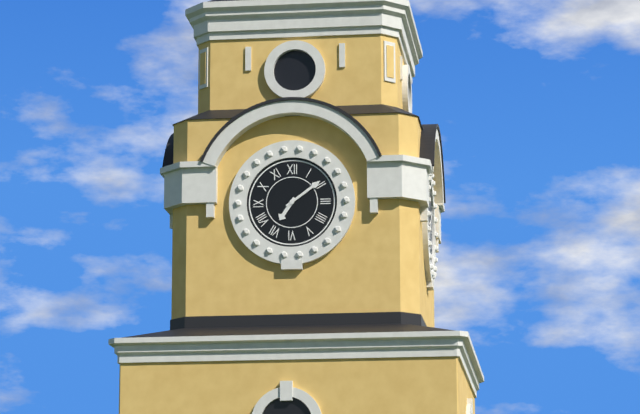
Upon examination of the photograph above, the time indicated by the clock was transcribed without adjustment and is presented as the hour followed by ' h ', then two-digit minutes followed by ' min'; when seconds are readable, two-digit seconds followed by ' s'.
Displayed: 7 h 09 min
